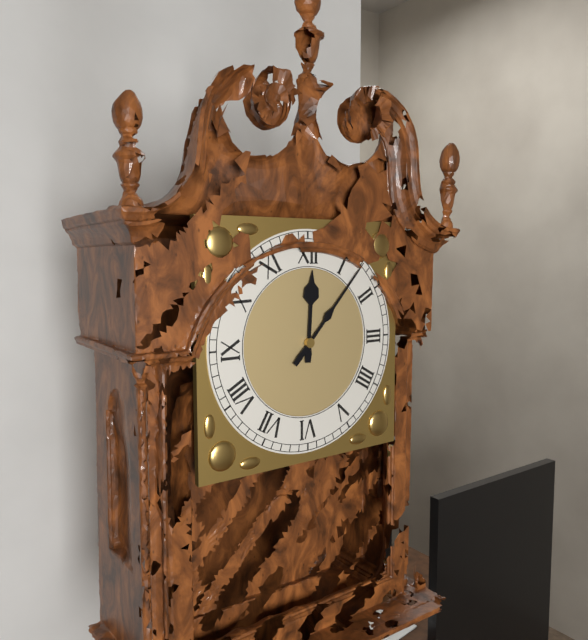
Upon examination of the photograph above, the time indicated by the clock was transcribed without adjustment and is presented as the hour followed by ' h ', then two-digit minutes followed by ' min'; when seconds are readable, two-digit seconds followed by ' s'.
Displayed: 12 h 07 min
